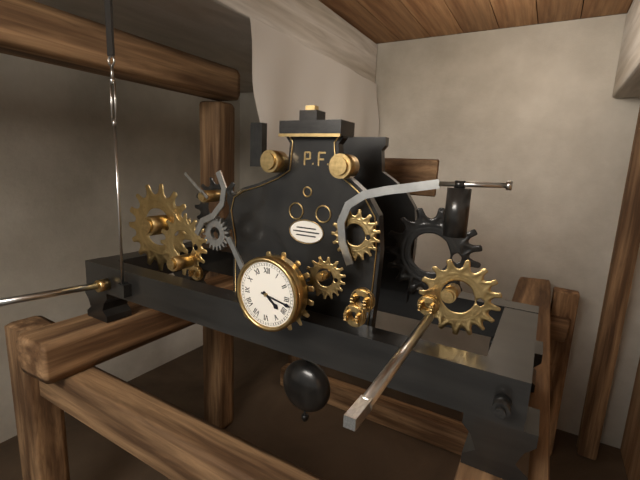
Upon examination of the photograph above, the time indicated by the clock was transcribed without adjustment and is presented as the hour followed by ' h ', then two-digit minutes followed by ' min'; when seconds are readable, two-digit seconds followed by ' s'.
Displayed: 4 h 17 min
